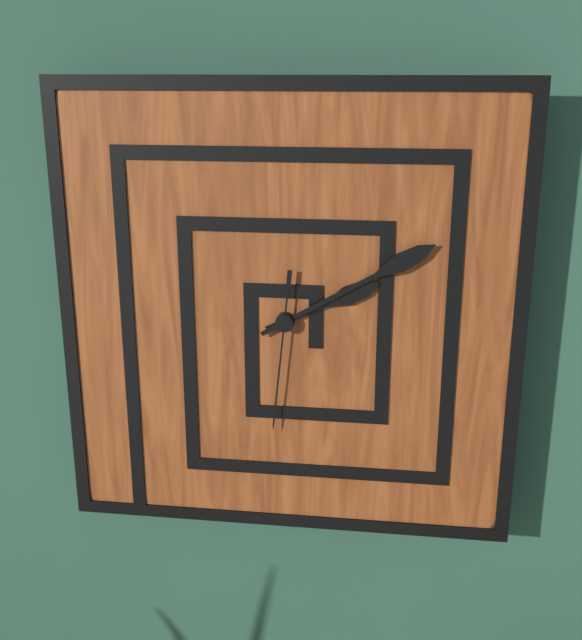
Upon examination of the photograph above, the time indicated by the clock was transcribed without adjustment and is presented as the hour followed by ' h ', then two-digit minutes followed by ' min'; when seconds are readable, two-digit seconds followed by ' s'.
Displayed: 2 h 10 min 31 s
